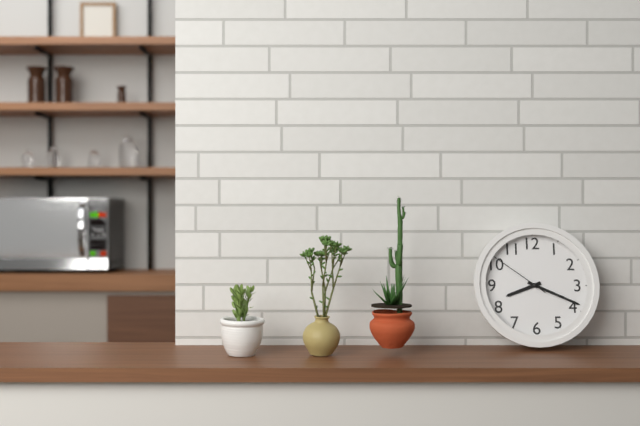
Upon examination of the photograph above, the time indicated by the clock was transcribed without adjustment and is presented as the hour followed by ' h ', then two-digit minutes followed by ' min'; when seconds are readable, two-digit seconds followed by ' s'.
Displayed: 8 h 19 min 51 s
